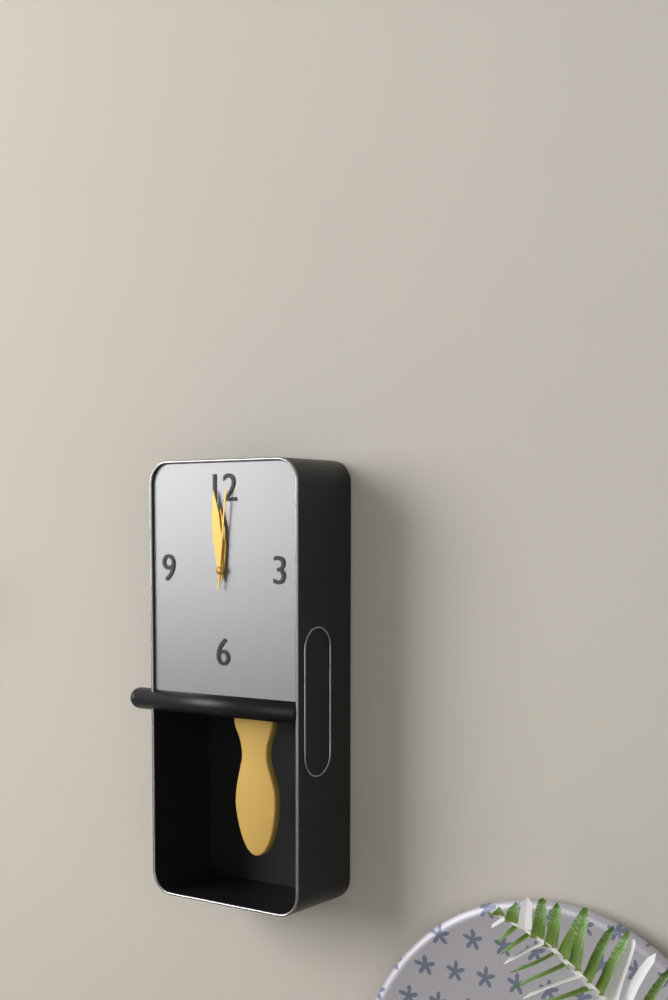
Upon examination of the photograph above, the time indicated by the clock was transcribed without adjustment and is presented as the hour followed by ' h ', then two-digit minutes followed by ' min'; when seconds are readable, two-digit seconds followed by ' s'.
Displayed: 11 h 59 min 01 s
